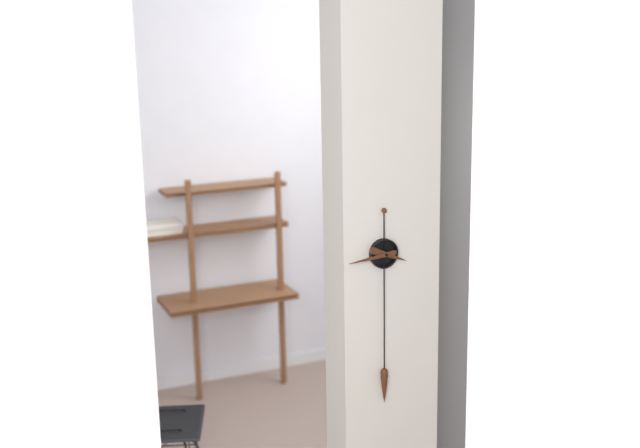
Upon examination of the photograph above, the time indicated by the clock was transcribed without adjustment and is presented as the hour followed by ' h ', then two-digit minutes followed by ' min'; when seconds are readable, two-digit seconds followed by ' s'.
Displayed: 3 h 44 min
